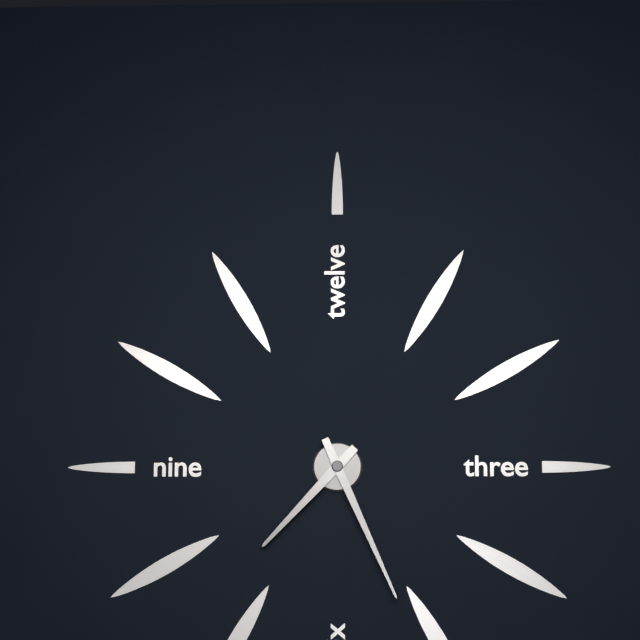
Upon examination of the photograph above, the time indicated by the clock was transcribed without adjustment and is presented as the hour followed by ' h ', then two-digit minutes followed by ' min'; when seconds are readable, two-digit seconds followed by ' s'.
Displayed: 7 h 26 min
